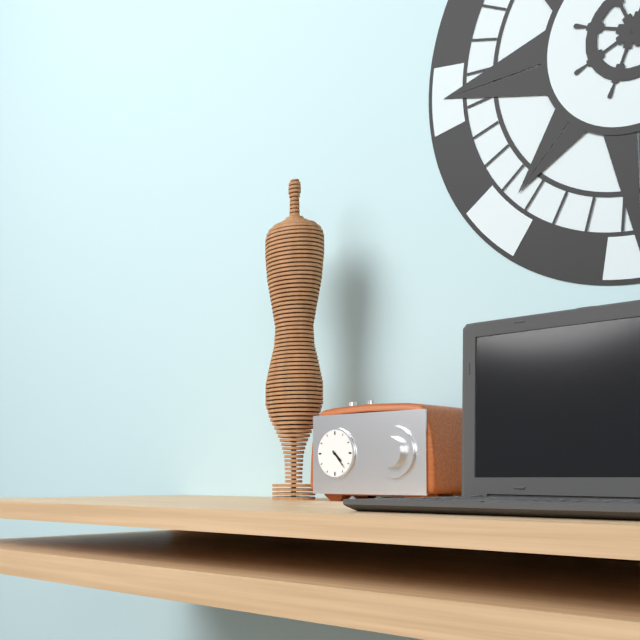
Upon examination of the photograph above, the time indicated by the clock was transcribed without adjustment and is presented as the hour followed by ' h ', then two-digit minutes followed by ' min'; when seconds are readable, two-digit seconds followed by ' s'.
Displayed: 4 h 23 min
